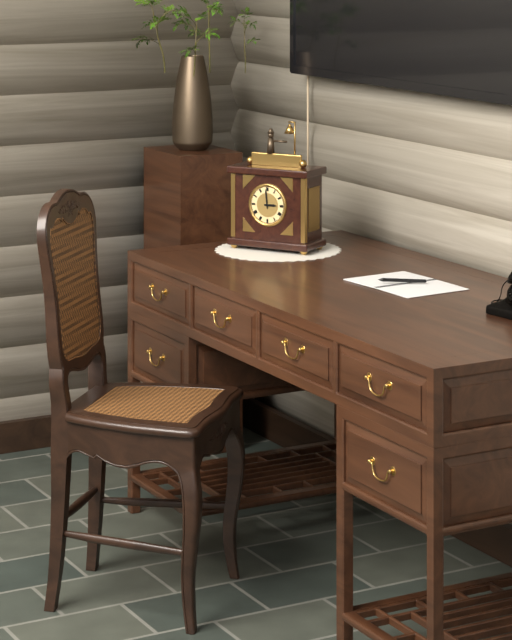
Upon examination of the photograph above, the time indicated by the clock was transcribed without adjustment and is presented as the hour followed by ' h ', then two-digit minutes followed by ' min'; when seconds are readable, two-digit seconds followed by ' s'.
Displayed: 2 h 59 min
